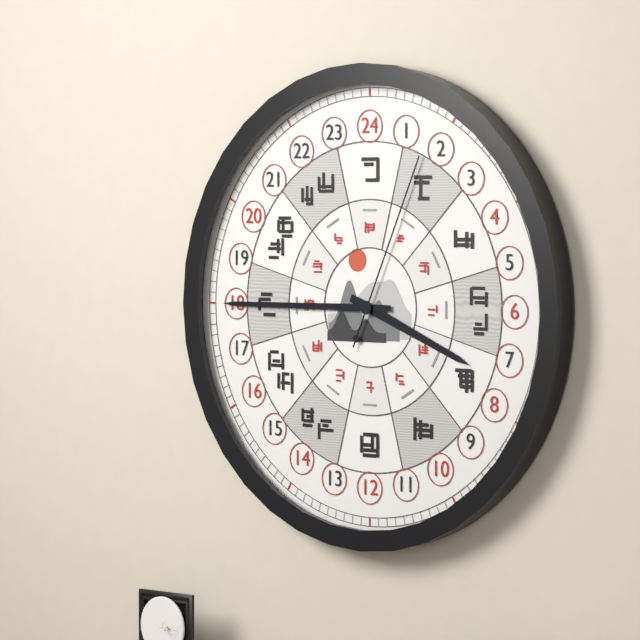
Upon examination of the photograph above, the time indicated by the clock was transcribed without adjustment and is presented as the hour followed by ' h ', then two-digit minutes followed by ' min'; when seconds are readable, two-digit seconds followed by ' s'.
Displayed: 3 h 45 min 04 s
